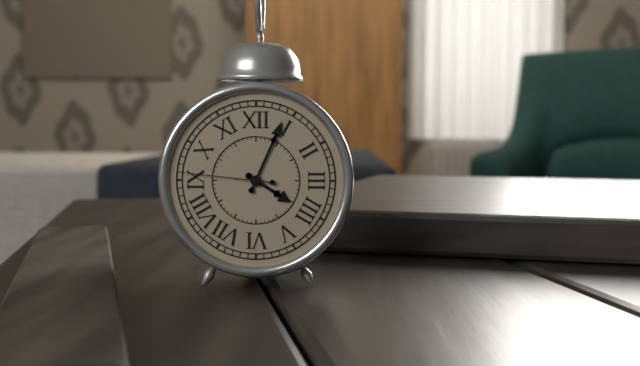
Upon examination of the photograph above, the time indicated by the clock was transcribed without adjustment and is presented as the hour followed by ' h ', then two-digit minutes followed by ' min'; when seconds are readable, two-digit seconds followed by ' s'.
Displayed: 4 h 04 min 46 s
